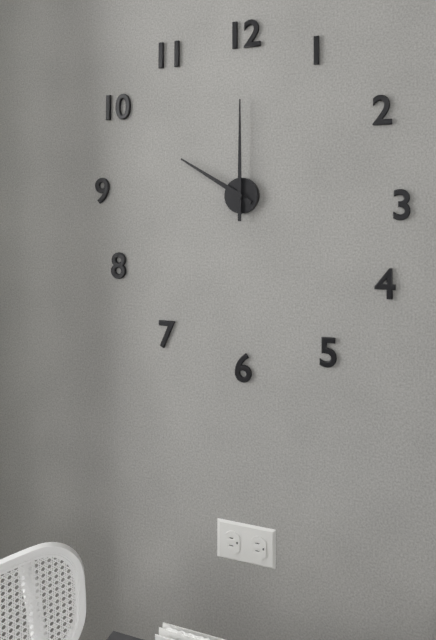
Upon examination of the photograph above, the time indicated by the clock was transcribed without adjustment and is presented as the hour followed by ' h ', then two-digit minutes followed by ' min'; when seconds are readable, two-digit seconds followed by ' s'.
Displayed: 10 h 00 min
